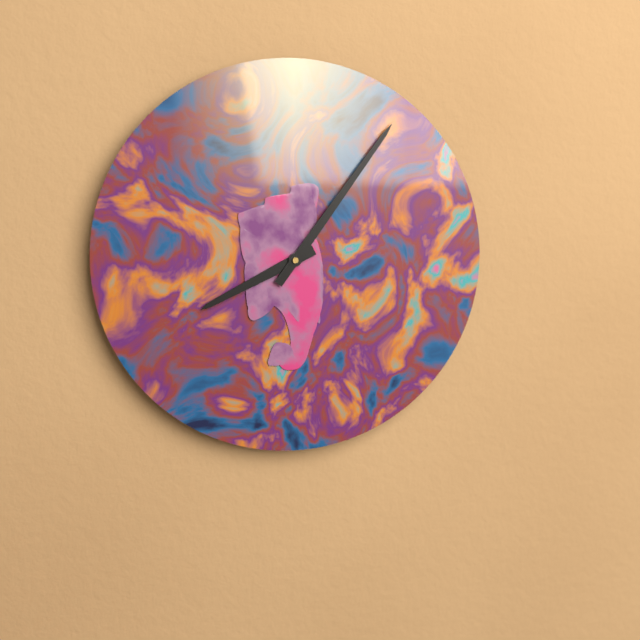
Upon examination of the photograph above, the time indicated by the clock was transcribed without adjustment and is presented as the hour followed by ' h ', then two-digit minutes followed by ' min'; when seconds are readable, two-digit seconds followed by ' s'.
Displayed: 8 h 06 min
